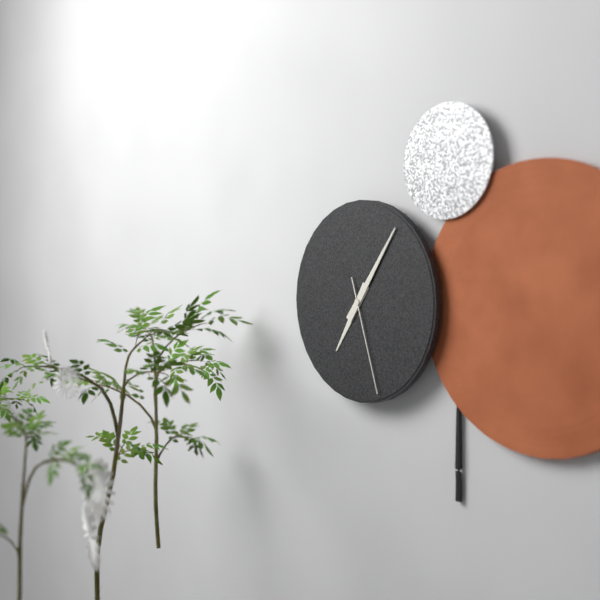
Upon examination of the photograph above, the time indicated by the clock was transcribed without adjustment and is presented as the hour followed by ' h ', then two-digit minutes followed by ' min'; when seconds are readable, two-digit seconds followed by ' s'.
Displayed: 7 h 06 min 27 s
